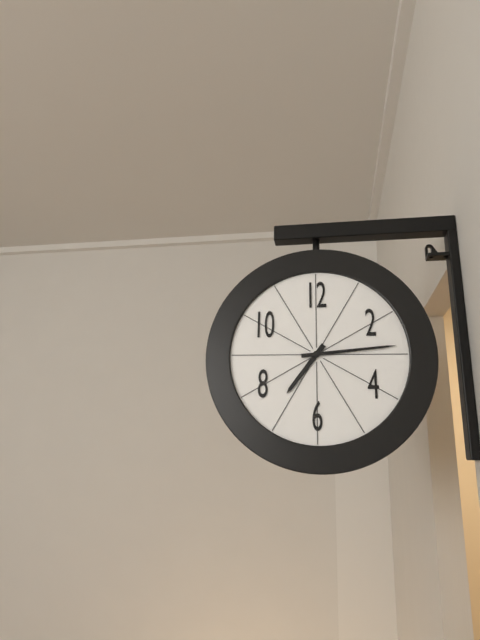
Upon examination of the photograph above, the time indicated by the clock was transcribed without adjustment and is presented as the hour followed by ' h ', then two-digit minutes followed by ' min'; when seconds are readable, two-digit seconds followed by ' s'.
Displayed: 7 h 14 min
